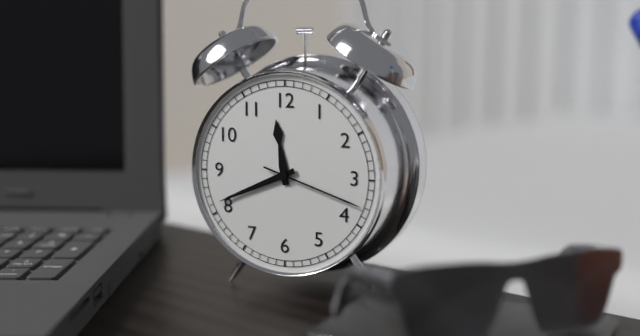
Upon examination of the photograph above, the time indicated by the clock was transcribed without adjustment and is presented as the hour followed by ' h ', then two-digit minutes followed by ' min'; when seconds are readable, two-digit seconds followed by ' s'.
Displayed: 11 h 41 min 18 s
